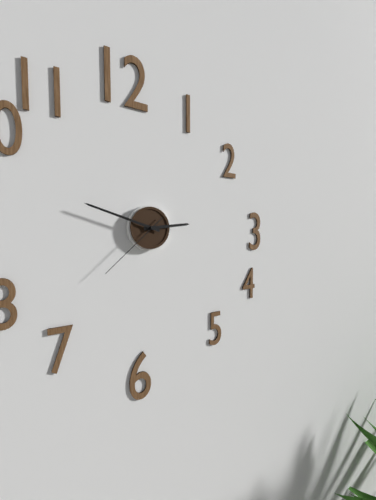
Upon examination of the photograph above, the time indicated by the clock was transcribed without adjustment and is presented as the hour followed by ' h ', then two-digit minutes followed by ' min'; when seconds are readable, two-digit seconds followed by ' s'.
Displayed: 2 h 48 min 38 s
